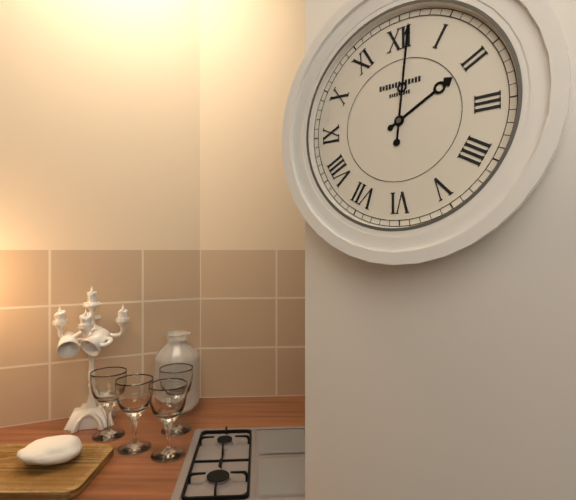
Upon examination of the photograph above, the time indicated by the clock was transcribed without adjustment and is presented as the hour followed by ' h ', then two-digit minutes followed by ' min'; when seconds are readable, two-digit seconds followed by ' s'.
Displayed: 2 h 01 min
